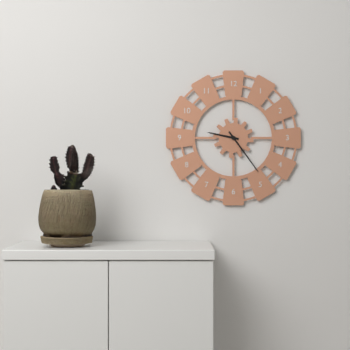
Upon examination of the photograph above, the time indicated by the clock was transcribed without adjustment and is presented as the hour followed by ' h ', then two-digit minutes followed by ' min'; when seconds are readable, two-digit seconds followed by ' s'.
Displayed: 9 h 24 min
